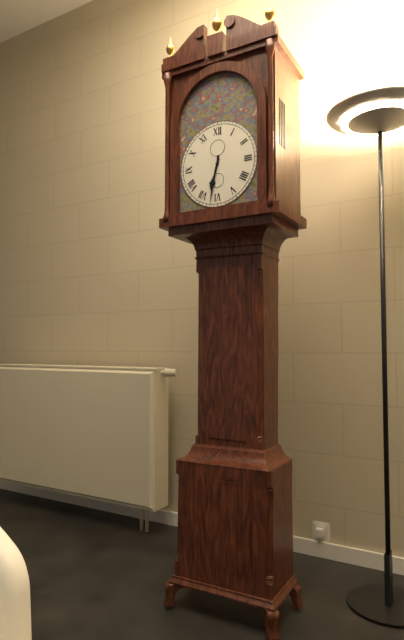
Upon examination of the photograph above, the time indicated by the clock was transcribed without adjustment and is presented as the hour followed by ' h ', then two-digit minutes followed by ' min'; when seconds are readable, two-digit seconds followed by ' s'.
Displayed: 6 h 32 min
